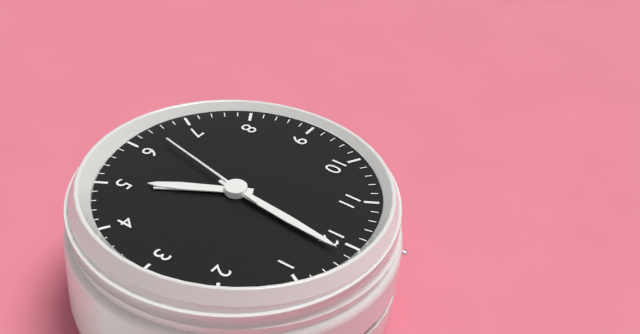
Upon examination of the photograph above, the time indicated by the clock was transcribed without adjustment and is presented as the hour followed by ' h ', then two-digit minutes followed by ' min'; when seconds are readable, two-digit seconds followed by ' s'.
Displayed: 5 h 01 min 32 s
